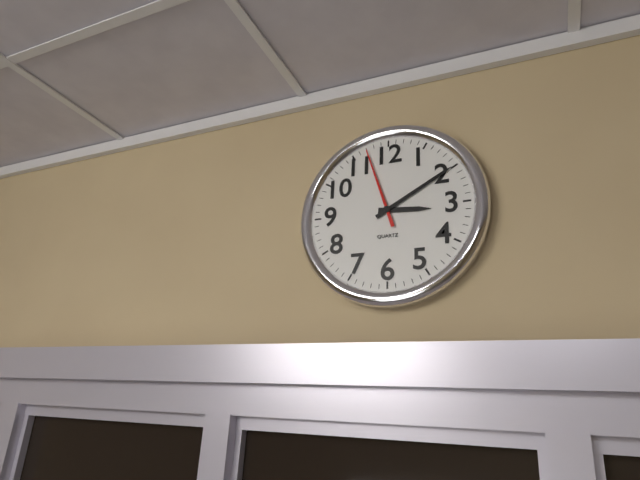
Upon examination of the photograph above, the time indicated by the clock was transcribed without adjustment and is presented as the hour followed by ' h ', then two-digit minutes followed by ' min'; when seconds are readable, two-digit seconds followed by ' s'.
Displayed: 3 h 10 min 57 s
